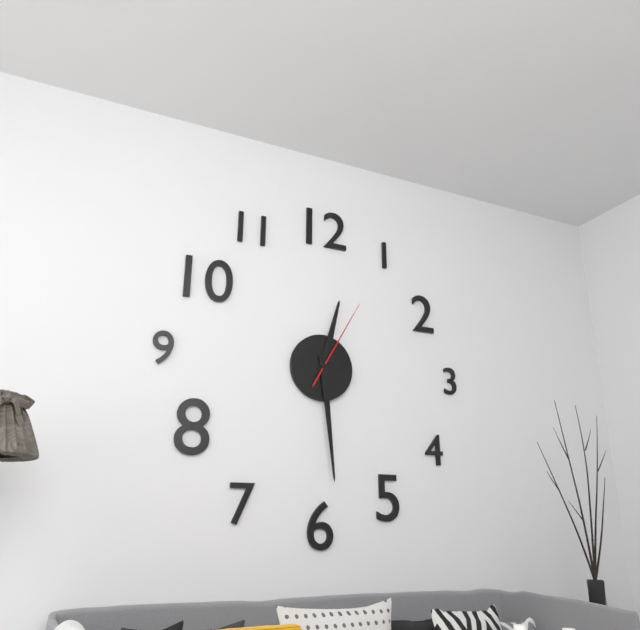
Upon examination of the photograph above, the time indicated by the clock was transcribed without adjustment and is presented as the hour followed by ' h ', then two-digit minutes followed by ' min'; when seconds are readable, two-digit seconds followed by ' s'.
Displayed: 12 h 29 min 05 s
